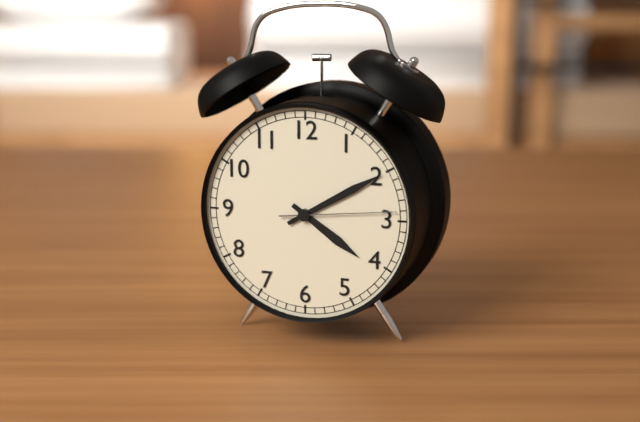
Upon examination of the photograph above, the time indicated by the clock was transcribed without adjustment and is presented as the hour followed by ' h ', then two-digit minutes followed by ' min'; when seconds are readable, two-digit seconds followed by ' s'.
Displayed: 4 h 10 min 14 s
